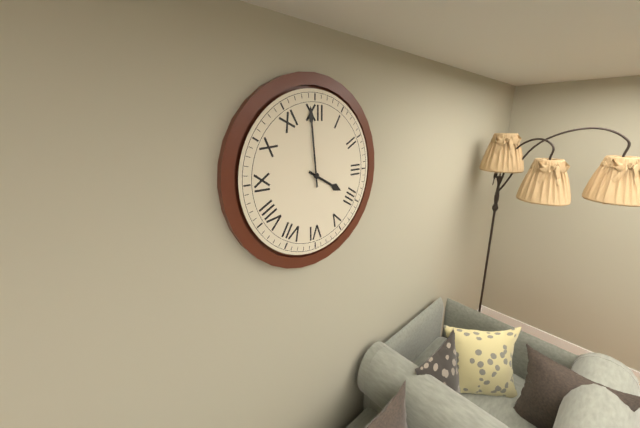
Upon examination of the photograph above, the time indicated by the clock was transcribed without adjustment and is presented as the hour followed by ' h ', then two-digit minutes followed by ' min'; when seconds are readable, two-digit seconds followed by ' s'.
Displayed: 3 h 59 min
